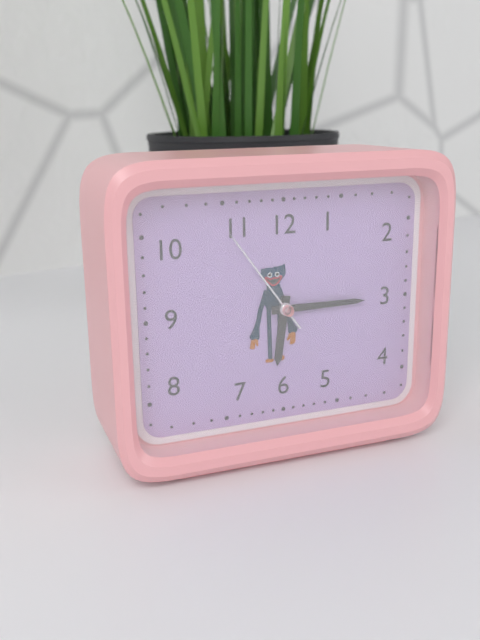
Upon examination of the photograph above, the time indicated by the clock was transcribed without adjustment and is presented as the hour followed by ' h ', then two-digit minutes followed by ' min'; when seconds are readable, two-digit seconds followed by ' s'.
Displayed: 6 h 15 min 54 s
